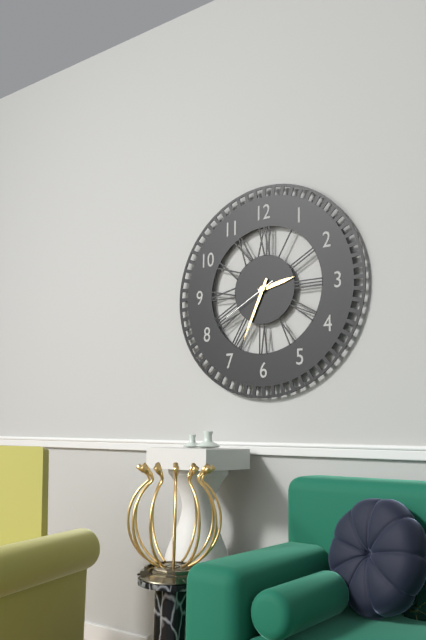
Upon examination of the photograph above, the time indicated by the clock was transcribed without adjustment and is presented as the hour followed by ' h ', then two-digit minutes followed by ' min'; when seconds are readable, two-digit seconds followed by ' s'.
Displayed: 2 h 34 min 40 s
